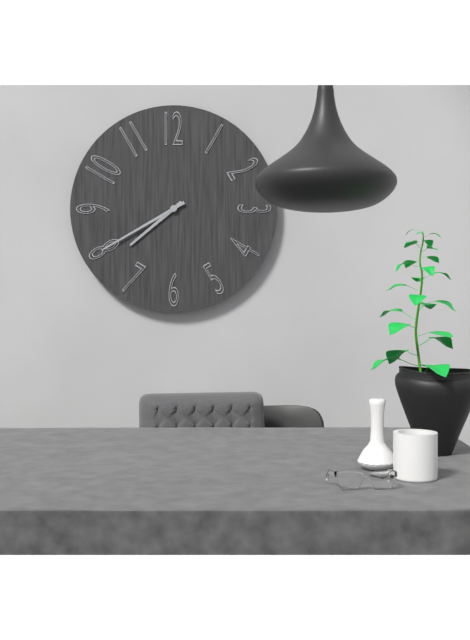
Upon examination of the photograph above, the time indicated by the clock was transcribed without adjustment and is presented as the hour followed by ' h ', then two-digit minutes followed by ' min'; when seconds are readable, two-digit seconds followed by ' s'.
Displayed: 7 h 40 min
